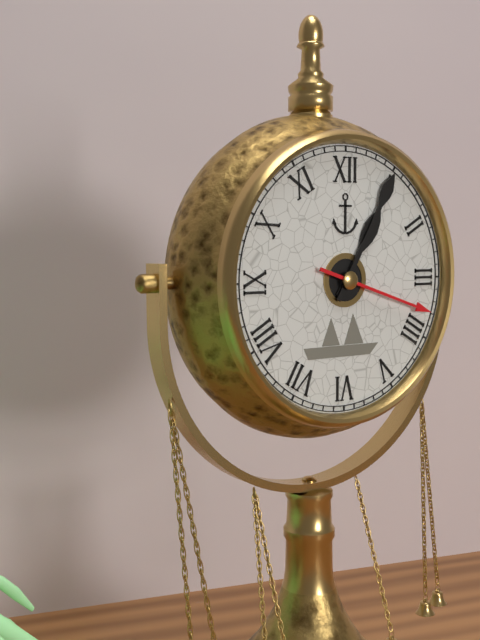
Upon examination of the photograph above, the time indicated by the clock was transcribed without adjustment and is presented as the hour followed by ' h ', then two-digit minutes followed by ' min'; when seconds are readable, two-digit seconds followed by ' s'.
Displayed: 1 h 05 min 18 s
